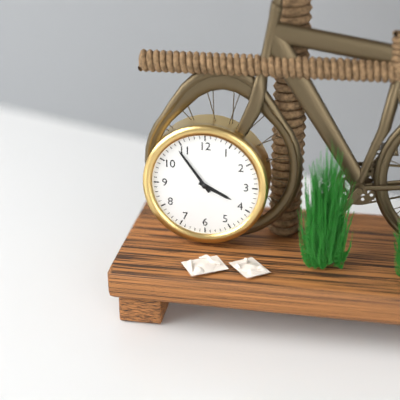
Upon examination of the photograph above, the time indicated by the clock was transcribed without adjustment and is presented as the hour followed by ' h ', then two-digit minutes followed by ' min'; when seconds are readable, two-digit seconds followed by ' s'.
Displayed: 3 h 54 min
